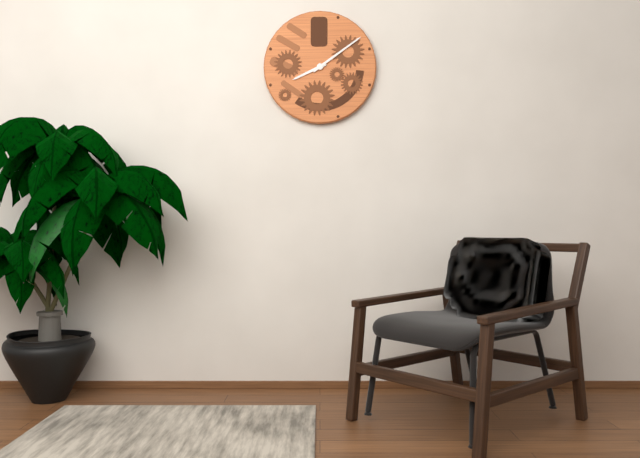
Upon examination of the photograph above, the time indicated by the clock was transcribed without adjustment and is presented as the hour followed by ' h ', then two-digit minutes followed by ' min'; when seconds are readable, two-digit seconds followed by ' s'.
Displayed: 8 h 09 min
